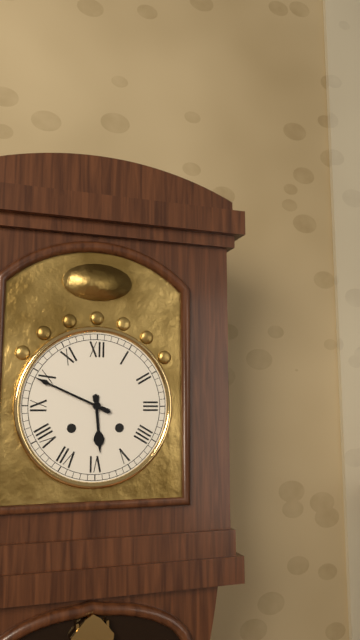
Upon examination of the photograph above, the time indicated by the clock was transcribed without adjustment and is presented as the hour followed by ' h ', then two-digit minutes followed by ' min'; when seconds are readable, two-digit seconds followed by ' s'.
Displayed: 5 h 49 min
